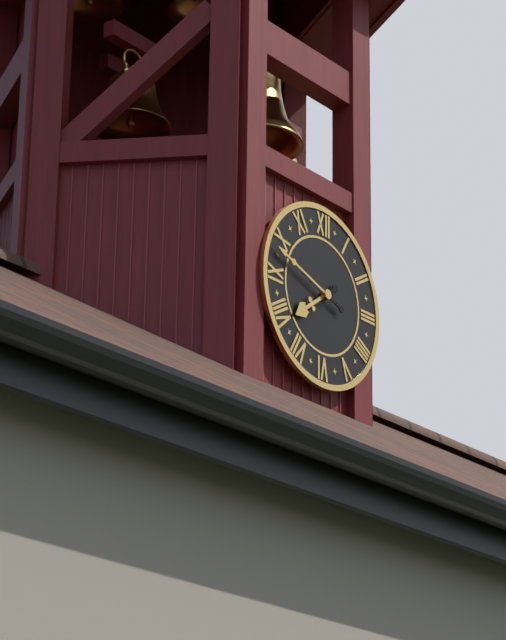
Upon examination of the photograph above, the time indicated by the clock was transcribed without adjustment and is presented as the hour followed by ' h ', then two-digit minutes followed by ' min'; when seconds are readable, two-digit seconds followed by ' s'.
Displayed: 7 h 48 min
